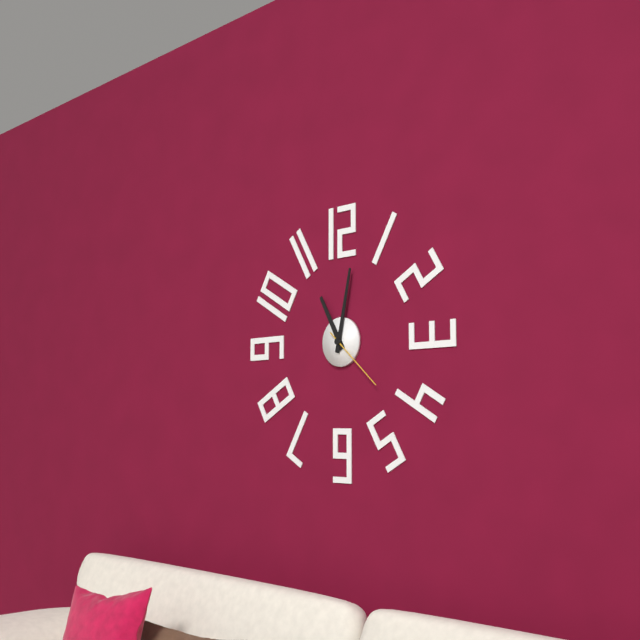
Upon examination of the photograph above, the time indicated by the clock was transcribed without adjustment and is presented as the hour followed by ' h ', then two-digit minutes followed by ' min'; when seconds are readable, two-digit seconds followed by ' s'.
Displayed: 11 h 02 min 22 s
